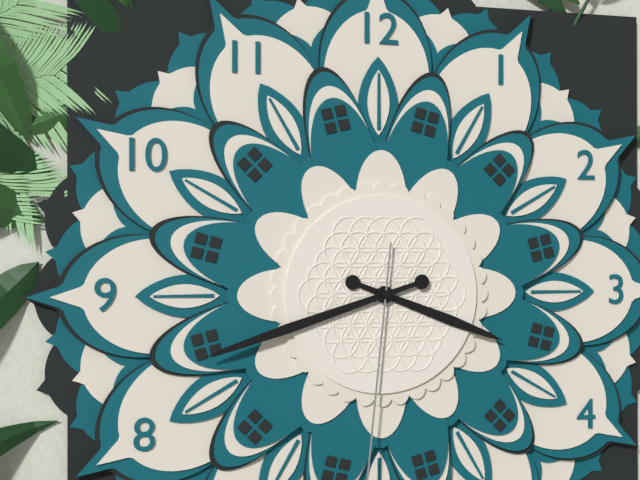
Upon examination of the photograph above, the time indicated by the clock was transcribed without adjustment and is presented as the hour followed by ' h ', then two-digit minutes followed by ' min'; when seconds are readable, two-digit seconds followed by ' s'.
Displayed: 3 h 42 min
